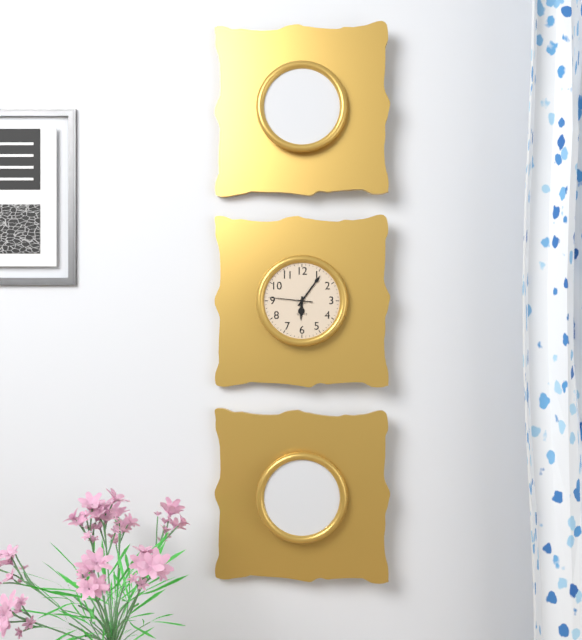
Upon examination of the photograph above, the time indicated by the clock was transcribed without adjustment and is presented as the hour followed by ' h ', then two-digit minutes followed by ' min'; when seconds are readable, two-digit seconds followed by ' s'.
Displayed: 6 h 06 min
